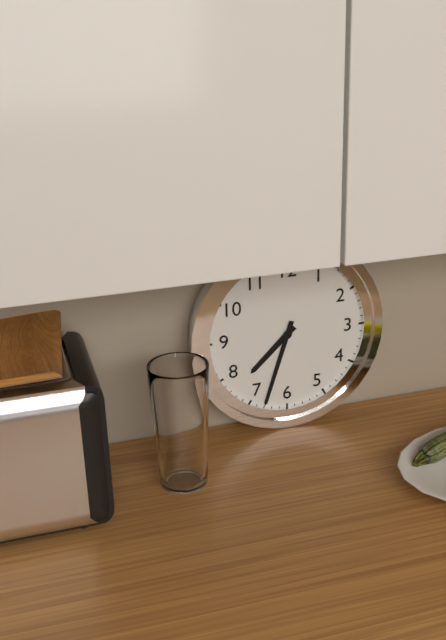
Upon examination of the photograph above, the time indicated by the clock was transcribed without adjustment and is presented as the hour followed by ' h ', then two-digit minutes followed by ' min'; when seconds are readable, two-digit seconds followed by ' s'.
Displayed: 7 h 33 min
